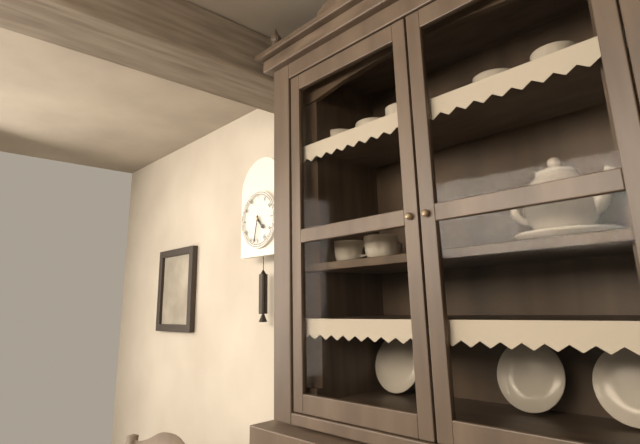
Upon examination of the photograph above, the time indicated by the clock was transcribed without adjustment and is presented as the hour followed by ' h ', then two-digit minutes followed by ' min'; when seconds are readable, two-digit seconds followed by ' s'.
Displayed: 4 h 32 min
